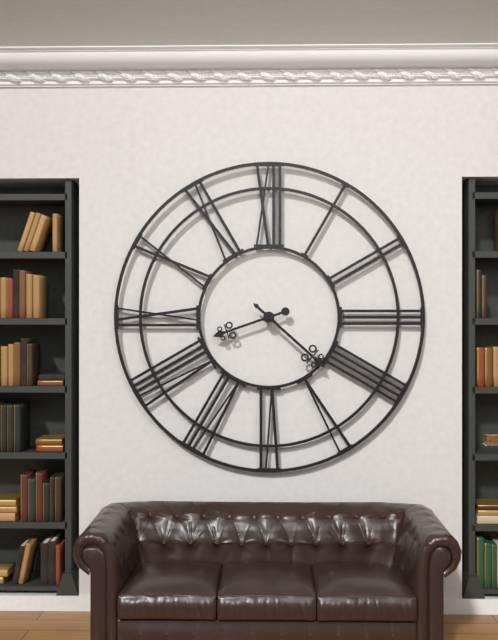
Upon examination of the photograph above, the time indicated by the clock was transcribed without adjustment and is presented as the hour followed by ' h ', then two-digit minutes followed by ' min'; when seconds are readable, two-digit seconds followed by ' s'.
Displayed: 8 h 22 min
